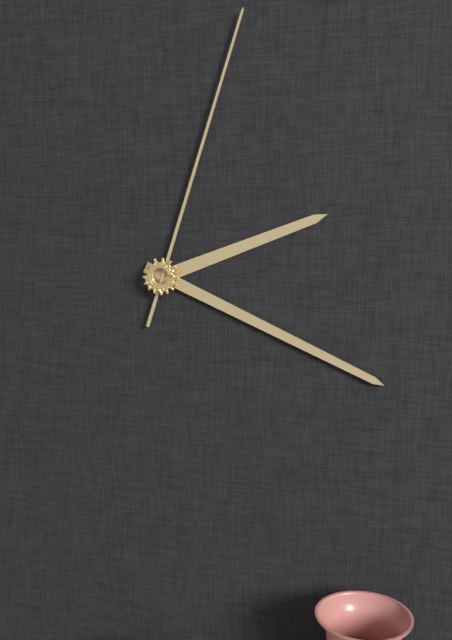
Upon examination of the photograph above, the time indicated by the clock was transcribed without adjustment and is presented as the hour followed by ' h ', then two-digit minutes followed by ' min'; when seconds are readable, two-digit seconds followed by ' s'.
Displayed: 2 h 19 min 03 s
